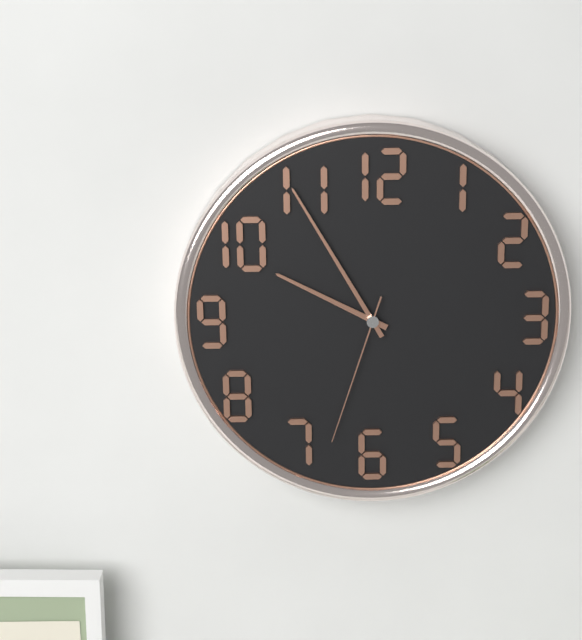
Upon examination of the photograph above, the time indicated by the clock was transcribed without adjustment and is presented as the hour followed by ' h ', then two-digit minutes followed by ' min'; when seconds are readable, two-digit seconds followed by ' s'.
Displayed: 9 h 55 min 33 s
